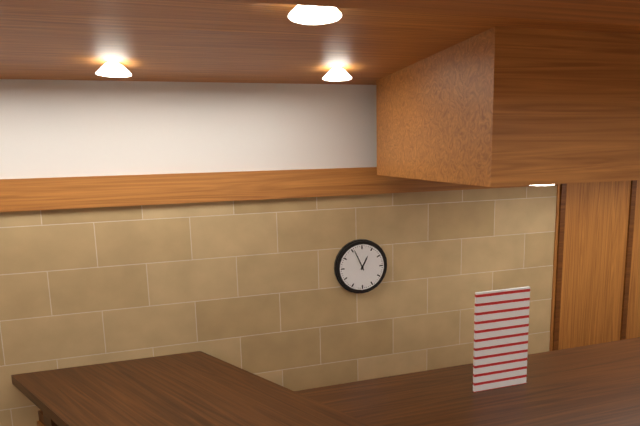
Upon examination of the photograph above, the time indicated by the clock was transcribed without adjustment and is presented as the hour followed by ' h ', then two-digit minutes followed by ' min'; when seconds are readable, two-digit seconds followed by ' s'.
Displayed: 12 h 56 min
